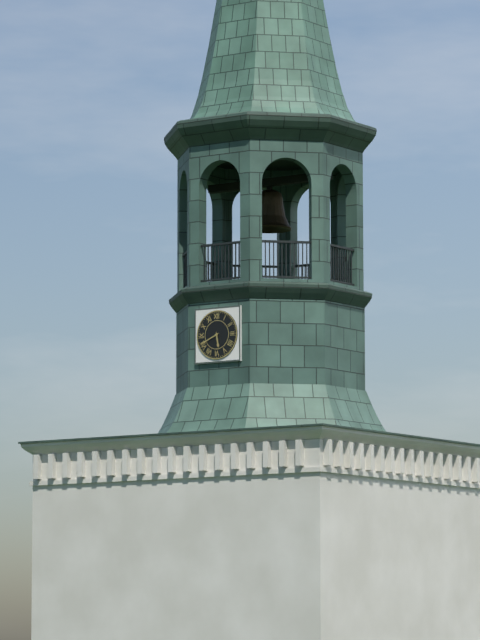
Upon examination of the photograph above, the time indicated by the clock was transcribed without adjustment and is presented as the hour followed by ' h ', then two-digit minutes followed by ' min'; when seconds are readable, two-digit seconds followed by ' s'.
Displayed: 5 h 41 min
